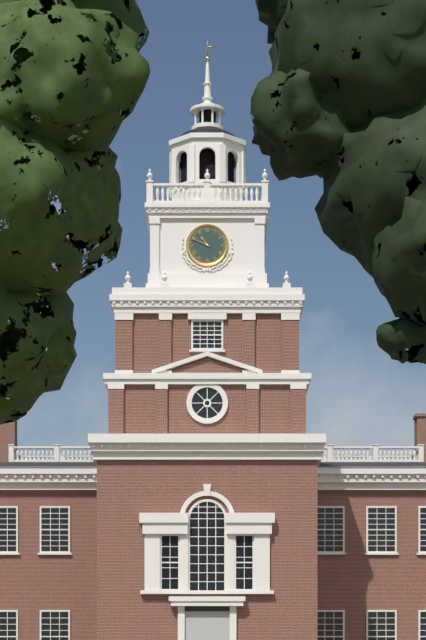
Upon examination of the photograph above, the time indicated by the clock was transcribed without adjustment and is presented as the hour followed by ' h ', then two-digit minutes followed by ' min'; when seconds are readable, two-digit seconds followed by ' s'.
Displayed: 10 h 49 min
